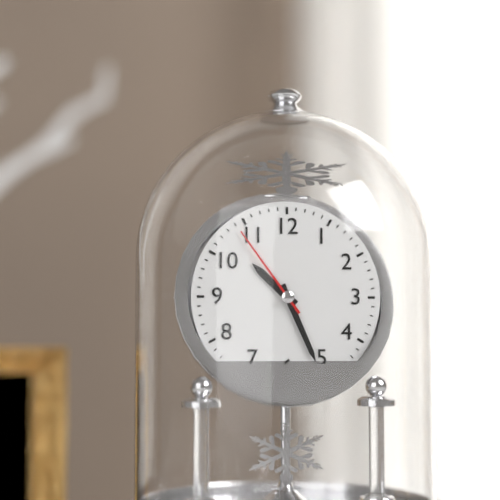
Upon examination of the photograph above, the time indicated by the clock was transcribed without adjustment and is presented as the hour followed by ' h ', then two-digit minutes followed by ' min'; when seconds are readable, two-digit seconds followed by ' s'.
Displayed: 10 h 26 min 54 s
